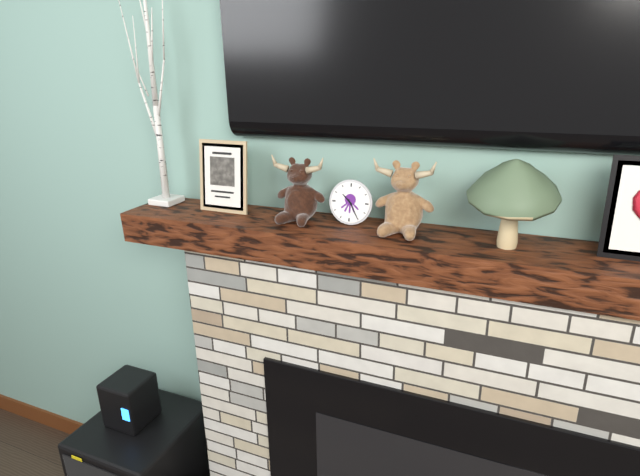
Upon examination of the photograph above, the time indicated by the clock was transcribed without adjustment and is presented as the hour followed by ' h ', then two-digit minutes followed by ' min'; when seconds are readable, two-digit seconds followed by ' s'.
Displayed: 10 h 25 min
